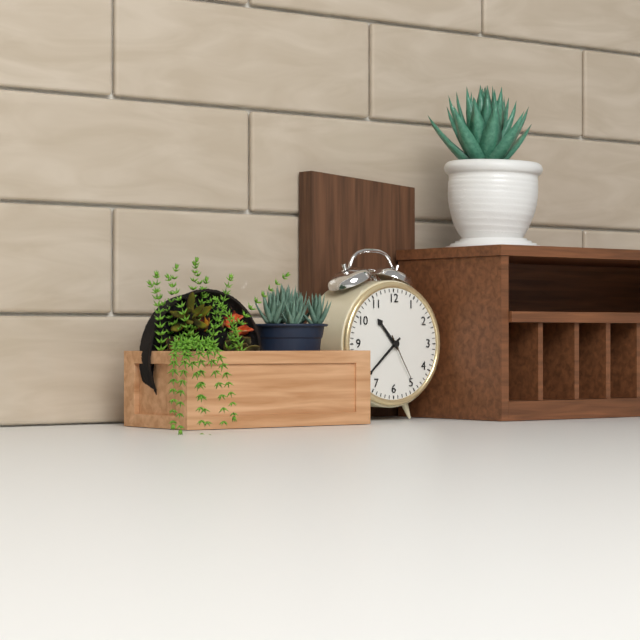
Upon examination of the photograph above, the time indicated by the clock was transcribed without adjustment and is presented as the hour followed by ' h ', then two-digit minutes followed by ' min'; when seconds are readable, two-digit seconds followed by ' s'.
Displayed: 10 h 38 min
